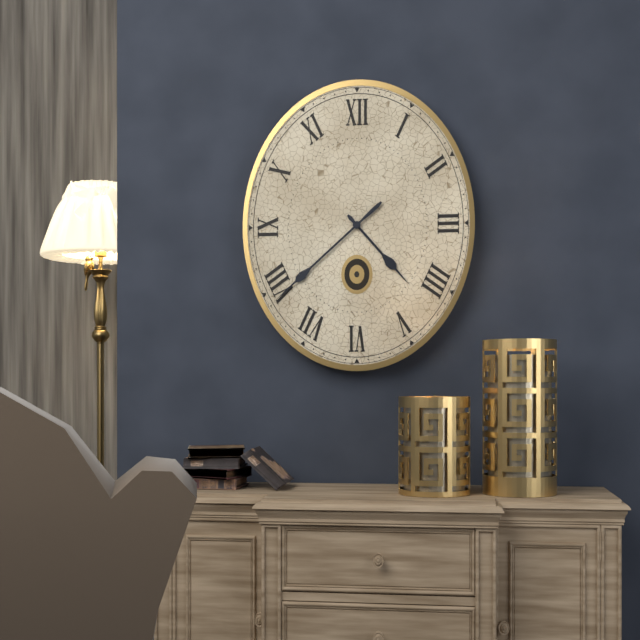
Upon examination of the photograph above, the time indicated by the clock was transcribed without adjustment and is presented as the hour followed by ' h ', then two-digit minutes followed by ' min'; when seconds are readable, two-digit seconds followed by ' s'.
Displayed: 4 h 38 min
